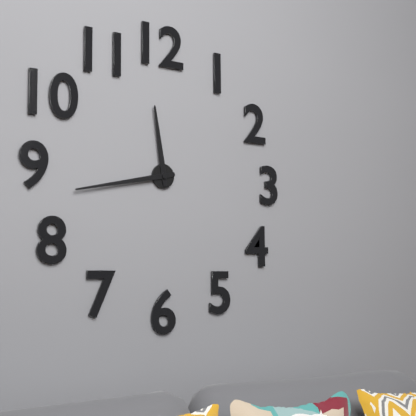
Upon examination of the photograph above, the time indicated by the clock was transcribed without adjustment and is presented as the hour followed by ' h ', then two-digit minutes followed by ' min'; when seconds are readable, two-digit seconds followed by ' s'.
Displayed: 11 h 43 min
